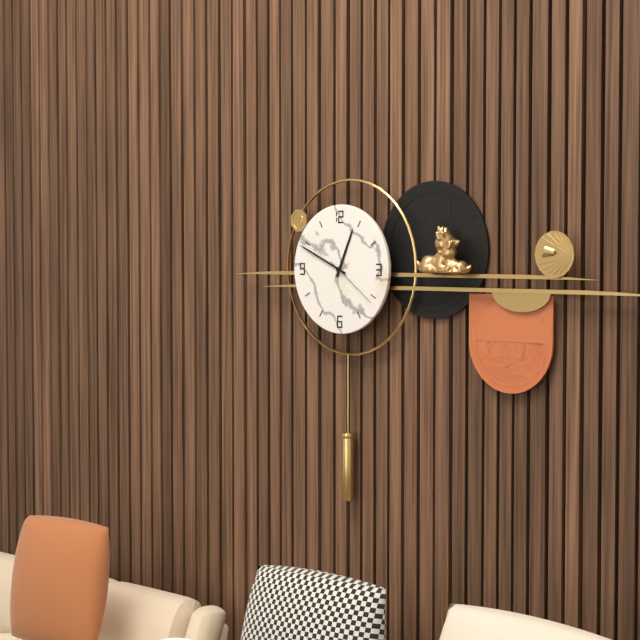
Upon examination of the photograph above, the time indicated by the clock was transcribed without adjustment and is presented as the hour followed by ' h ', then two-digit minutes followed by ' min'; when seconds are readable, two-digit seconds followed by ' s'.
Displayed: 12 h 49 min 21 s
